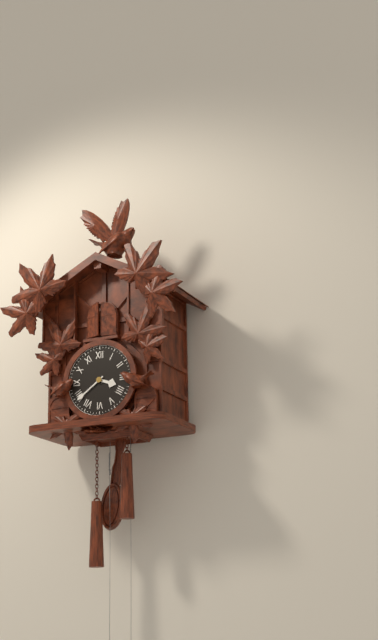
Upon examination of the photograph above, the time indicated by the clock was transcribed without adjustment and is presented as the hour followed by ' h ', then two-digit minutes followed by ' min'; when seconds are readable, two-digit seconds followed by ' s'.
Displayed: 3 h 39 min
